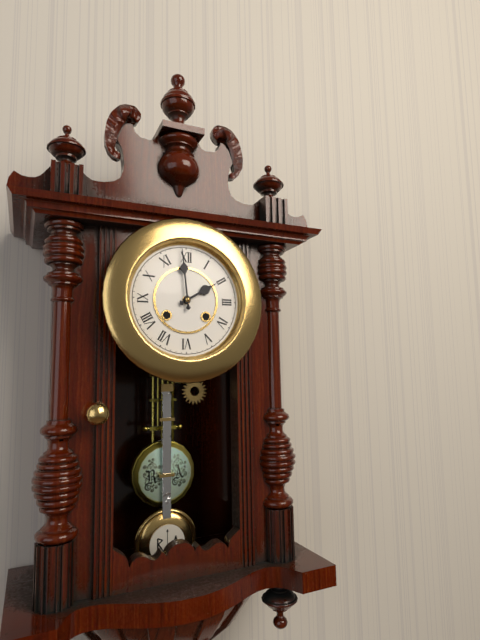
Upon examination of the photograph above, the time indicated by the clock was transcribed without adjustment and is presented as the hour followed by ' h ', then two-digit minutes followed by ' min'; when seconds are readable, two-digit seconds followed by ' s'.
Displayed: 1 h 59 min
